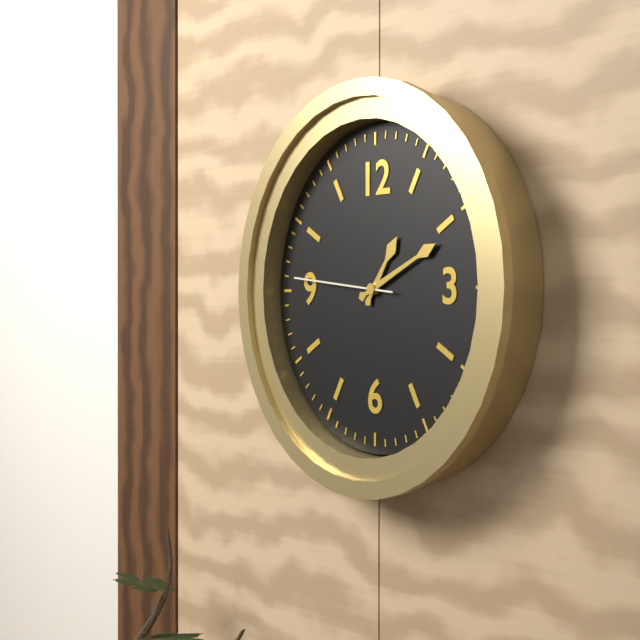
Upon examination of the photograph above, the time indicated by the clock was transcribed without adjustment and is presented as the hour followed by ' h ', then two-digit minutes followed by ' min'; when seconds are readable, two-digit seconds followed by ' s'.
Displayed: 1 h 11 min 46 s
